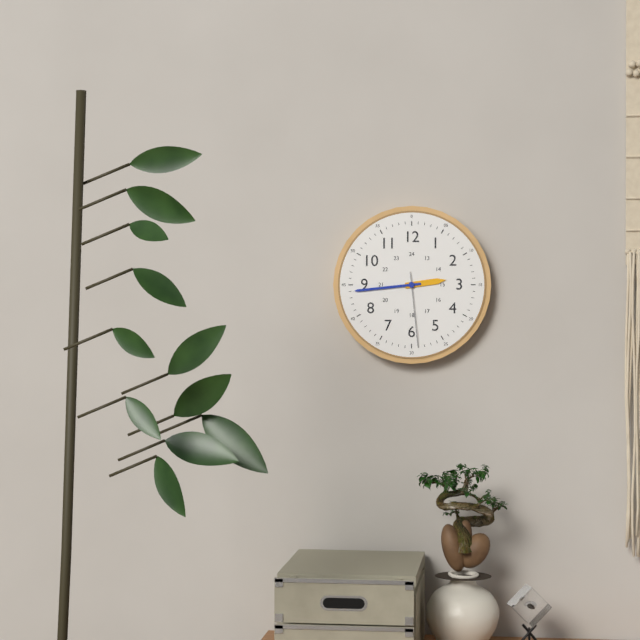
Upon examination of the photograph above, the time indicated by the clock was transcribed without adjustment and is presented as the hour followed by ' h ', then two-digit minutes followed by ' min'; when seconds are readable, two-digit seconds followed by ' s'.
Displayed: 2 h 44 min 29 s
